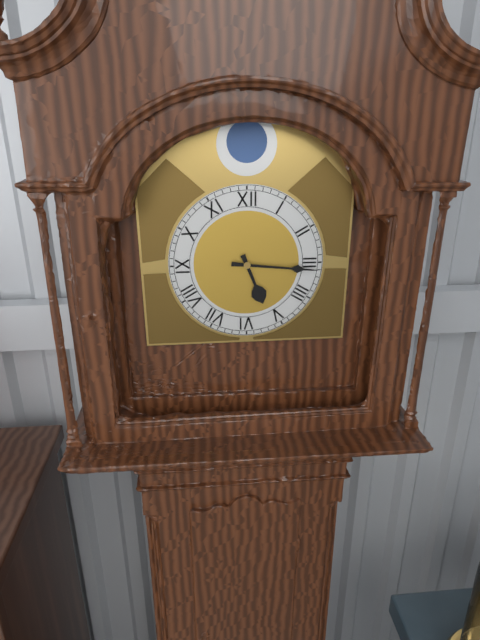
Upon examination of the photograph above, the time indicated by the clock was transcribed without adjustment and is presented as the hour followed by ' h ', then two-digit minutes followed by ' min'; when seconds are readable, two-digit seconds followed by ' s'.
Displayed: 5 h 16 min
